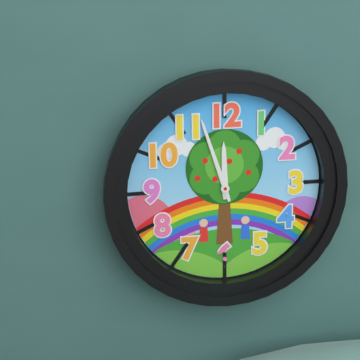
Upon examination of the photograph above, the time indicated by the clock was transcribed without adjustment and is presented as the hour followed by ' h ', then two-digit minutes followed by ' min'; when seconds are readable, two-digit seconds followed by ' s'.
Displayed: 11 h 57 min
